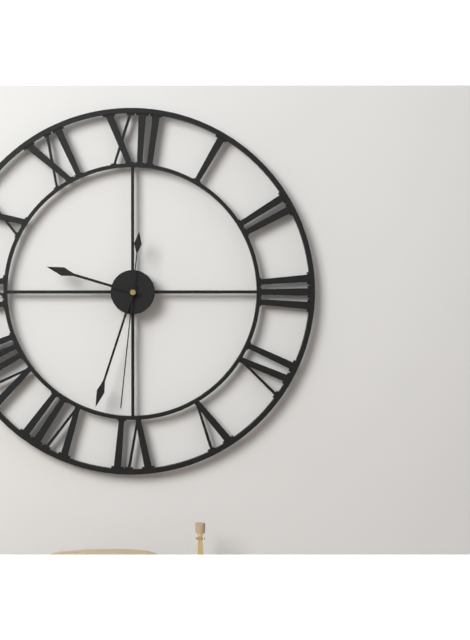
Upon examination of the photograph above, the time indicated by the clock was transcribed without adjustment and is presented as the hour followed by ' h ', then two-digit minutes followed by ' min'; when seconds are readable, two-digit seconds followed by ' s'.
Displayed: 9 h 33 min 31 s
